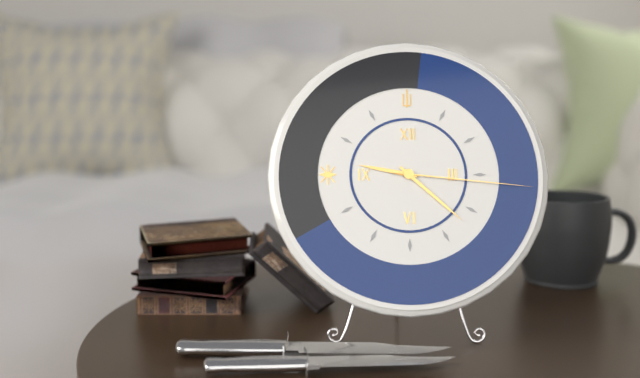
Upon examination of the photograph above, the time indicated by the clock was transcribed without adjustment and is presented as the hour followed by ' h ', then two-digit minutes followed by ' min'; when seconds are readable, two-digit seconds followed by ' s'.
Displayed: 9 h 22 min 16 s
